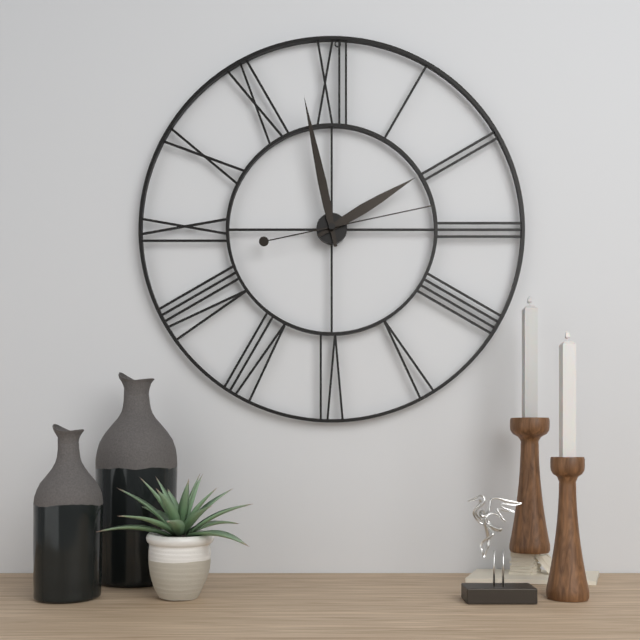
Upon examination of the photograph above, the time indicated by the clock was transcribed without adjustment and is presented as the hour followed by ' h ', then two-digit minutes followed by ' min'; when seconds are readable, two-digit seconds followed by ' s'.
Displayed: 1 h 58 min 13 s
